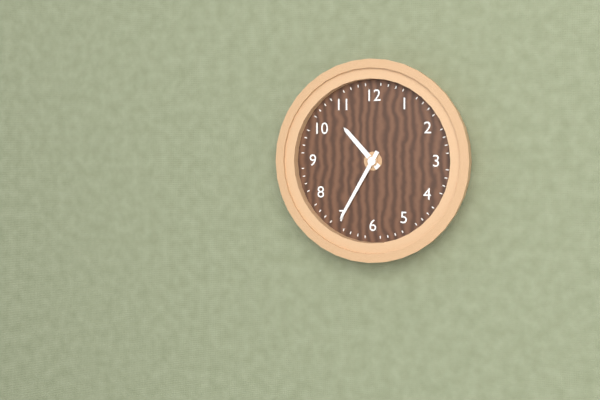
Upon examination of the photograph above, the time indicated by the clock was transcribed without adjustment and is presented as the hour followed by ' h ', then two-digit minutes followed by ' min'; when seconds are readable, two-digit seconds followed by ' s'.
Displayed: 10 h 35 min
